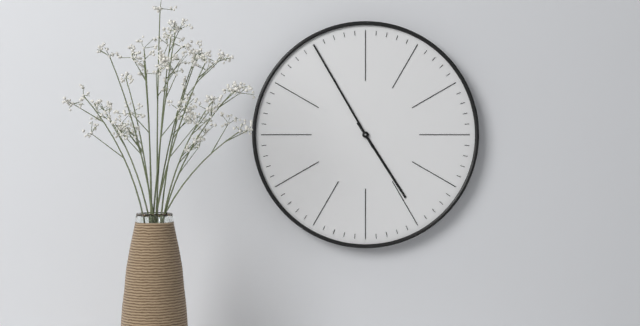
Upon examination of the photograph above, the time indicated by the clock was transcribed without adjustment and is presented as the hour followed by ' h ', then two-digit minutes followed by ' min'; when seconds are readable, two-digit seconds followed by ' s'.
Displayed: 4 h 55 min
